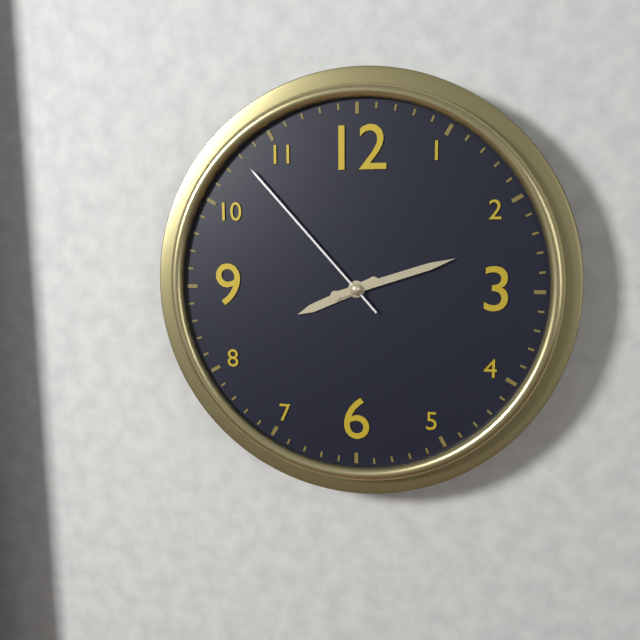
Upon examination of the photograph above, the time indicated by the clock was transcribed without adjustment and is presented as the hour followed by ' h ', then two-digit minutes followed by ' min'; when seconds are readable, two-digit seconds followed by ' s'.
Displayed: 8 h 12 min 53 s
